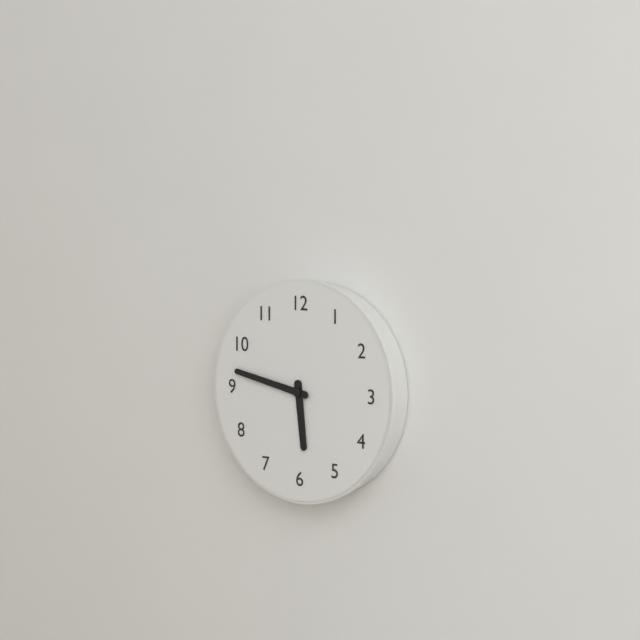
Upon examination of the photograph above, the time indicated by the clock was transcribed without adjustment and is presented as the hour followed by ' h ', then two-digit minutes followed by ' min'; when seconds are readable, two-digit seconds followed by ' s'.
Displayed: 5 h 47 min
